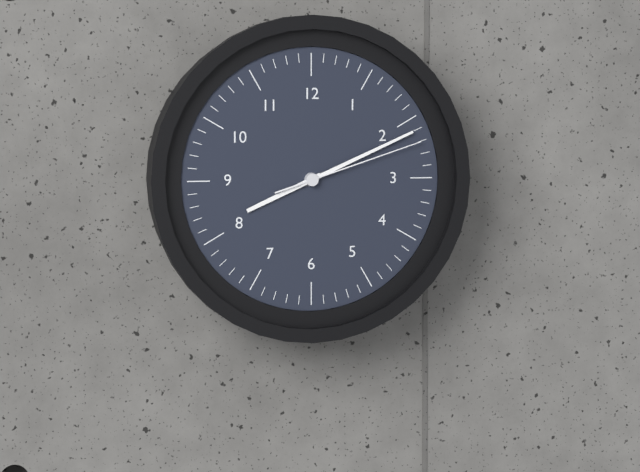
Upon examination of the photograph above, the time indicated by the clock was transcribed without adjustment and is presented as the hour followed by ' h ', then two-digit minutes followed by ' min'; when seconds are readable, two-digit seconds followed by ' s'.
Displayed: 8 h 11 min 12 s
